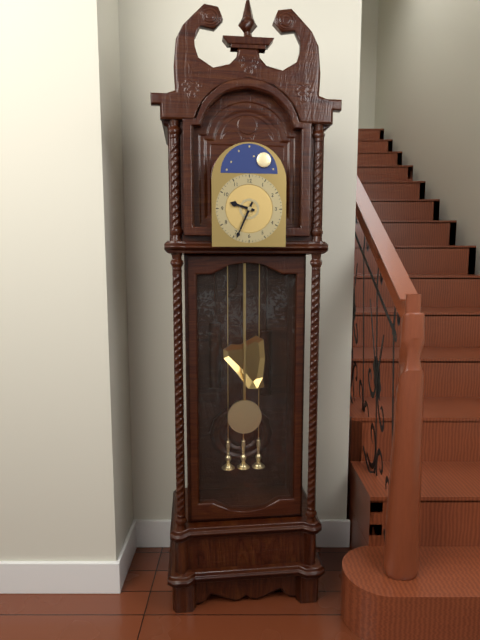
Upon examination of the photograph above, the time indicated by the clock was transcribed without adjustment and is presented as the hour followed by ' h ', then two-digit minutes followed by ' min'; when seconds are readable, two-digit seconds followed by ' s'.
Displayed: 9 h 34 min
